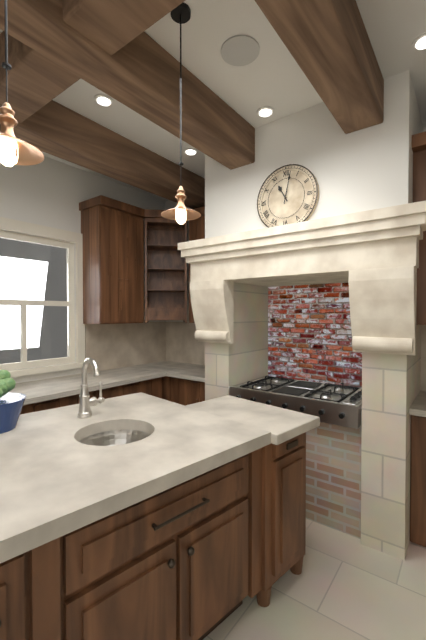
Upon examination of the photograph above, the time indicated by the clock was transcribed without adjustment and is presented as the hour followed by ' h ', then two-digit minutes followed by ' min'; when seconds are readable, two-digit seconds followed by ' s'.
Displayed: 11 h 02 min
